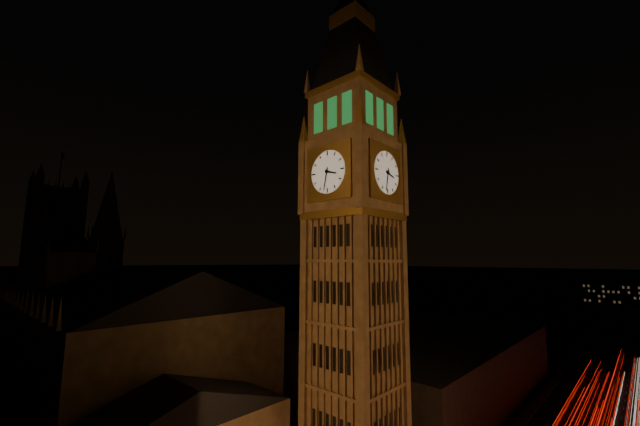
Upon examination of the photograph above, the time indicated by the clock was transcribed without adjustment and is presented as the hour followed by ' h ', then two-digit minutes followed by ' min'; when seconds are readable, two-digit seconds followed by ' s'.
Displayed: 3 h 32 min
